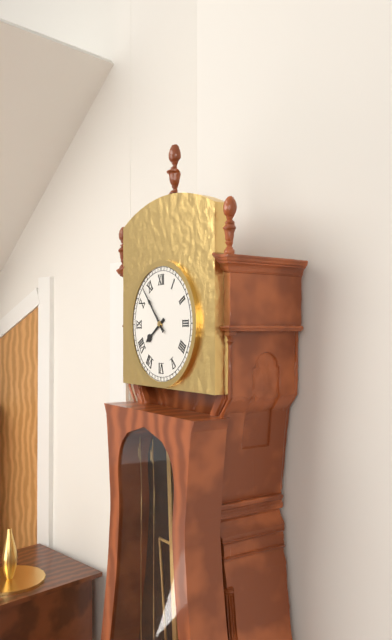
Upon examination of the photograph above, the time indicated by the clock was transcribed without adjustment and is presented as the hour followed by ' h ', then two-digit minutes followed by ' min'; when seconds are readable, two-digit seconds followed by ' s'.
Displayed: 7 h 53 min
